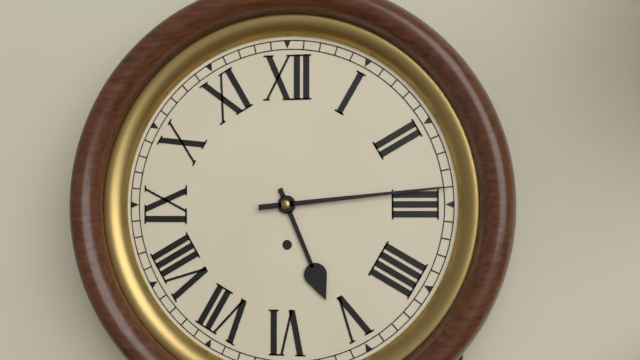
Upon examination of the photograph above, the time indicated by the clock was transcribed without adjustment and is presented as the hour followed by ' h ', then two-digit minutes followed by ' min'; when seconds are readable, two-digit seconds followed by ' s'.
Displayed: 5 h 14 min
